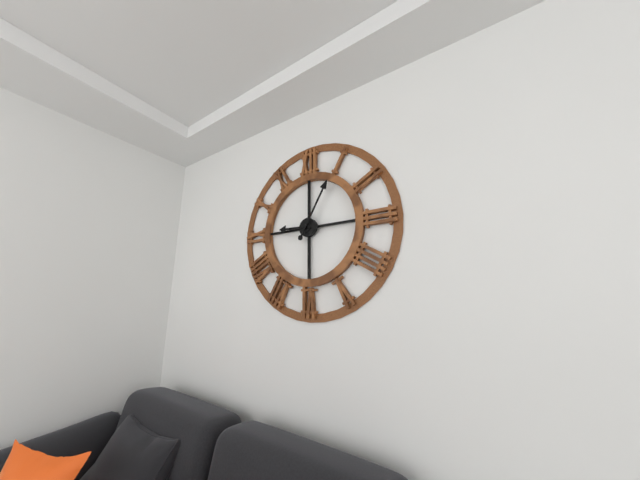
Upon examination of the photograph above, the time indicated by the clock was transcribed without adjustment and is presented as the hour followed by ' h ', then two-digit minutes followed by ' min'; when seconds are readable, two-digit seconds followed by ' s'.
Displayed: 9 h 05 min
